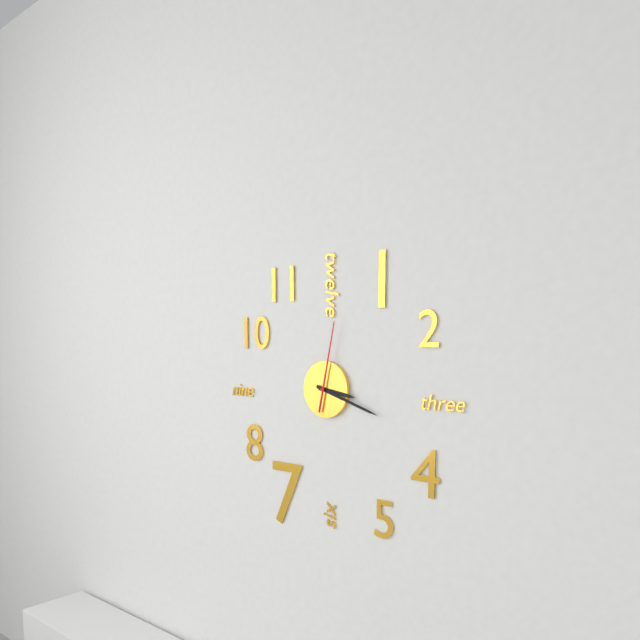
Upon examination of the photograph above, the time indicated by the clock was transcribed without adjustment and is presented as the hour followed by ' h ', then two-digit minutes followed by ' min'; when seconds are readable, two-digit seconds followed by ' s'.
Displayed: 3 h 18 min 02 s
